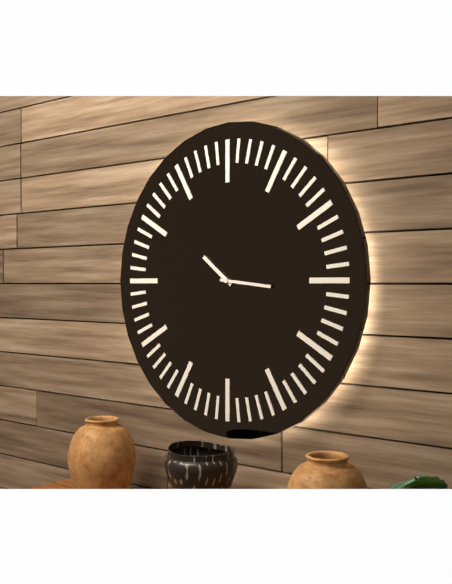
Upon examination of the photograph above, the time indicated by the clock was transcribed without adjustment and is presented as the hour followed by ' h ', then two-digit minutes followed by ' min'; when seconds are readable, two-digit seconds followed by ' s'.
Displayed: 10 h 16 min
